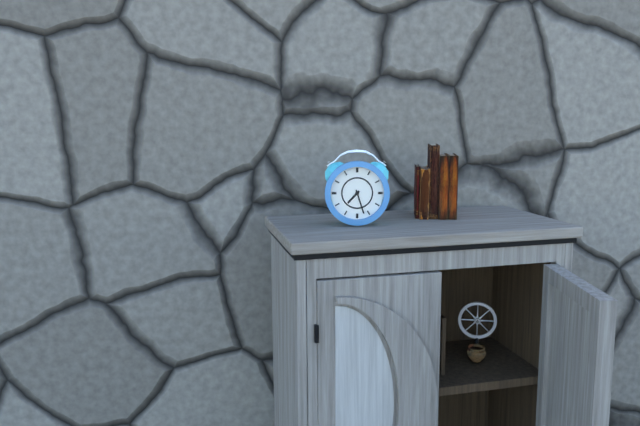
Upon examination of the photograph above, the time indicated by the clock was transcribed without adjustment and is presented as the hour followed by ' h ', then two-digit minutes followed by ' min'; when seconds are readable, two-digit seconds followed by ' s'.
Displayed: 7 h 27 min
